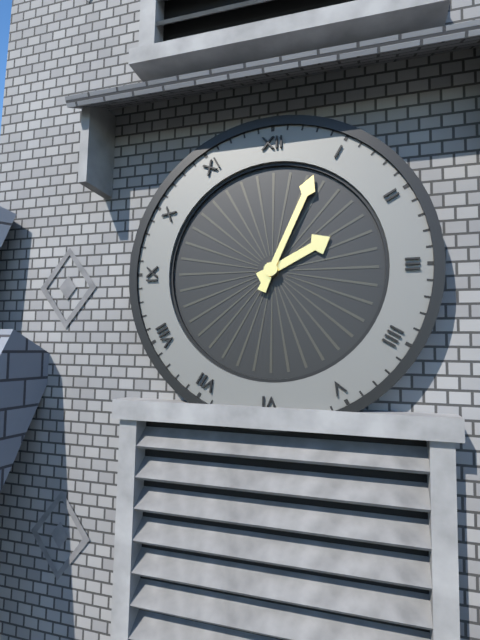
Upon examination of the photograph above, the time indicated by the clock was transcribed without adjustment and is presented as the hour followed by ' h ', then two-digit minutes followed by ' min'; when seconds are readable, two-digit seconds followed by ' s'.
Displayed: 2 h 04 min
